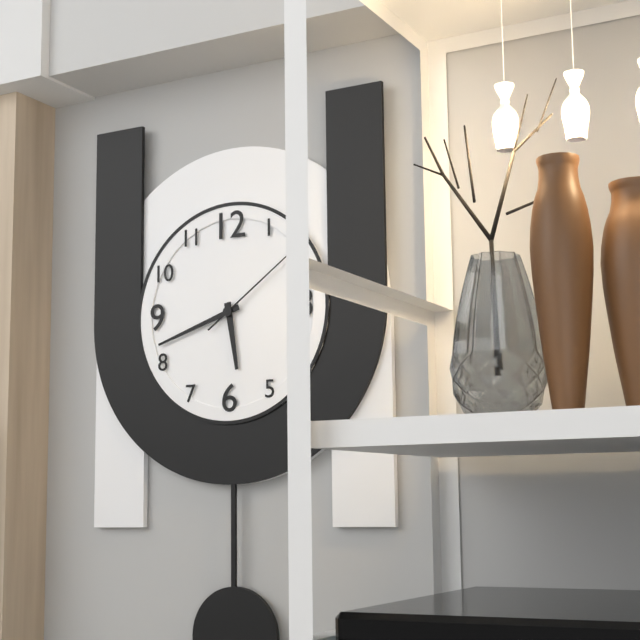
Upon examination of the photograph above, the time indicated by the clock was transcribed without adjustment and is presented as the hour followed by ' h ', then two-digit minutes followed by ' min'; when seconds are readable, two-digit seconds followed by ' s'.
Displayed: 5 h 42 min 09 s
